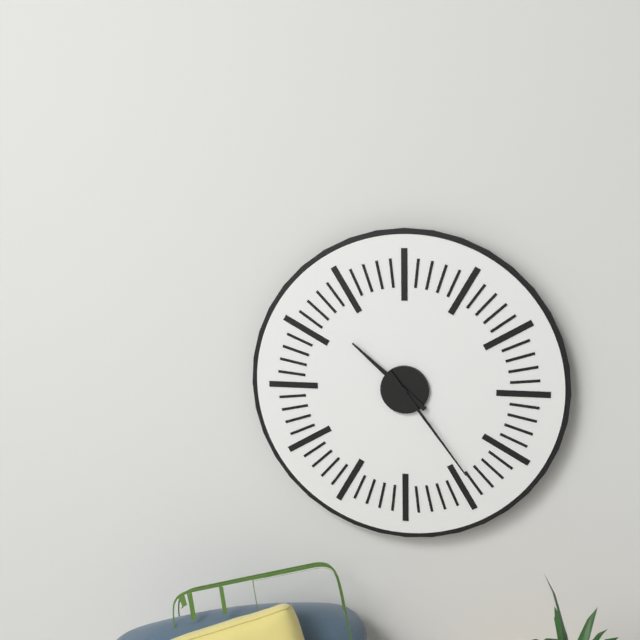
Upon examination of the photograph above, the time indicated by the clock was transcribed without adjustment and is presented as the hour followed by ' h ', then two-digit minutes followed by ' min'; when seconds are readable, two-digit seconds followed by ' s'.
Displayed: 10 h 24 min
